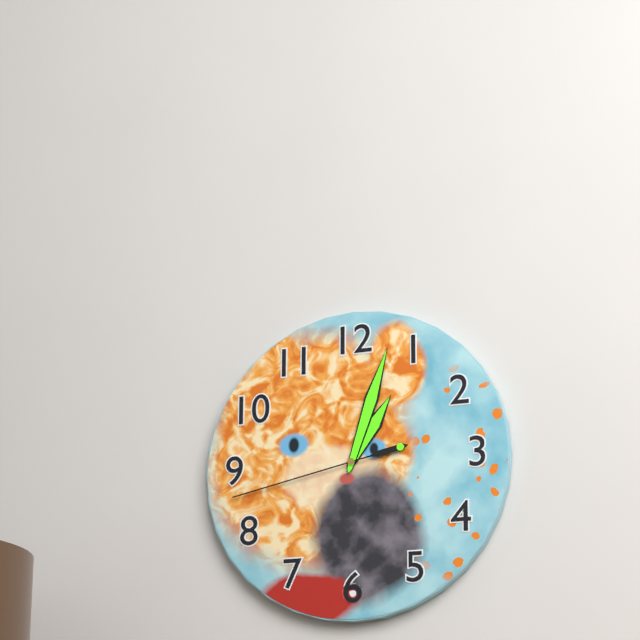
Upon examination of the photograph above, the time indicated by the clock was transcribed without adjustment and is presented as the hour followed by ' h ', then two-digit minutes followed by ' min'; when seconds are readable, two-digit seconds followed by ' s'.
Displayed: 1 h 03 min 43 s
